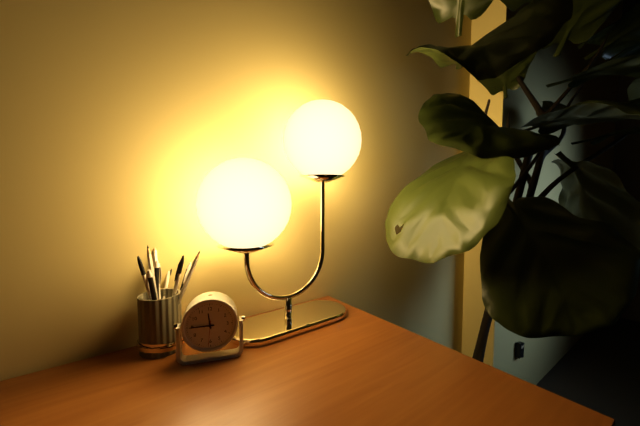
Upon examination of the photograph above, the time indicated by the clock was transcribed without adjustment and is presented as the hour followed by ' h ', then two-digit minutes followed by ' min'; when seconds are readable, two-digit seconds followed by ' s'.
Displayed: 11 h 45 min
